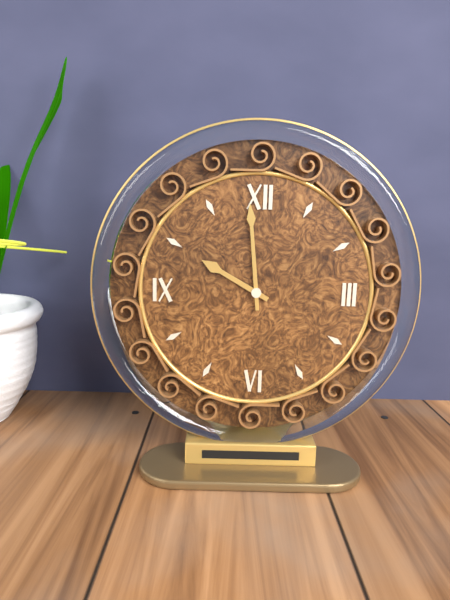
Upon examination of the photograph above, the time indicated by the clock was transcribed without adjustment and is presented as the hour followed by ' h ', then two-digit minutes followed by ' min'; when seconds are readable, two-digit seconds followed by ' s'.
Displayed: 9 h 59 min
